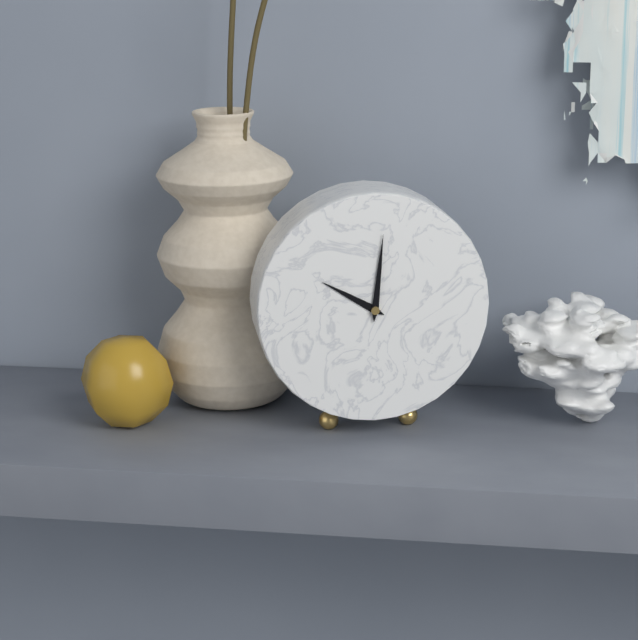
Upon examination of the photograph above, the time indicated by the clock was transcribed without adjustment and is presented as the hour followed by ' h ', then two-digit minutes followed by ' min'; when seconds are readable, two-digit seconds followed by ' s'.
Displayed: 10 h 01 min
